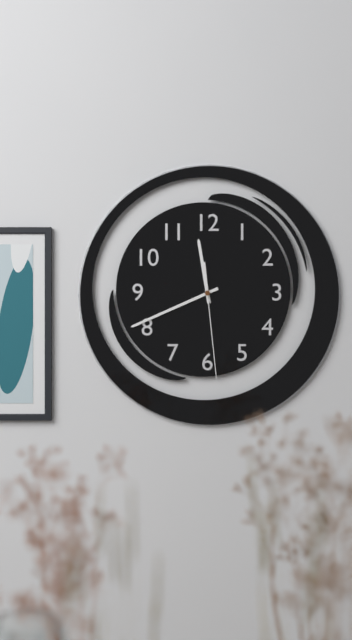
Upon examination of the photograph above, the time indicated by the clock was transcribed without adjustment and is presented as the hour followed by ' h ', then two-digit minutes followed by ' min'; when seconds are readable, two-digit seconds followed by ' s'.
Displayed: 11 h 41 min 29 s
